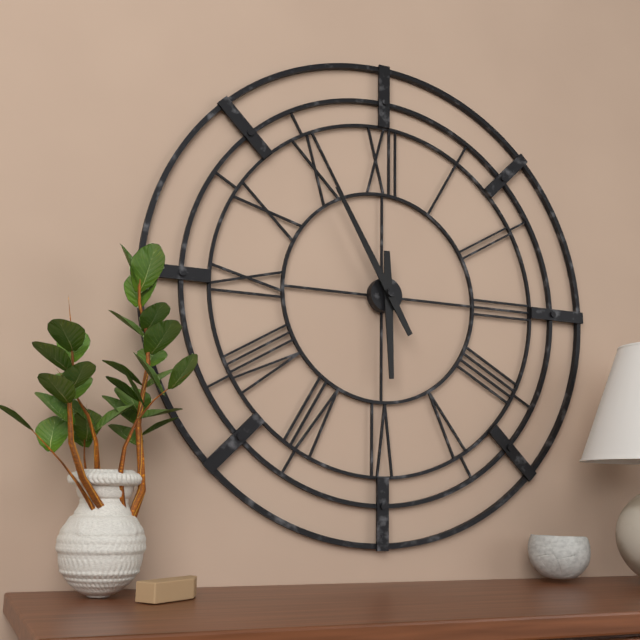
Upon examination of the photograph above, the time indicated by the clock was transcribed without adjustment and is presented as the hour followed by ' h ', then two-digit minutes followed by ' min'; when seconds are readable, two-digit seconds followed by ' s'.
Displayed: 5 h 55 min
